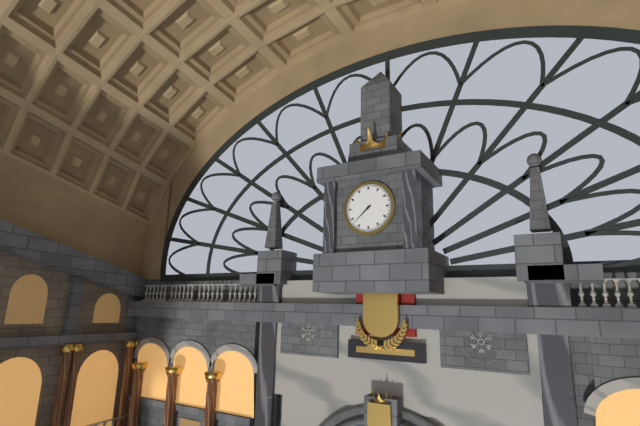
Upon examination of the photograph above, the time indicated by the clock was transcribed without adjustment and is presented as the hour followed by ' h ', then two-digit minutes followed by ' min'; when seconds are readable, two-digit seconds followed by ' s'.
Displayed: 7 h 38 min
